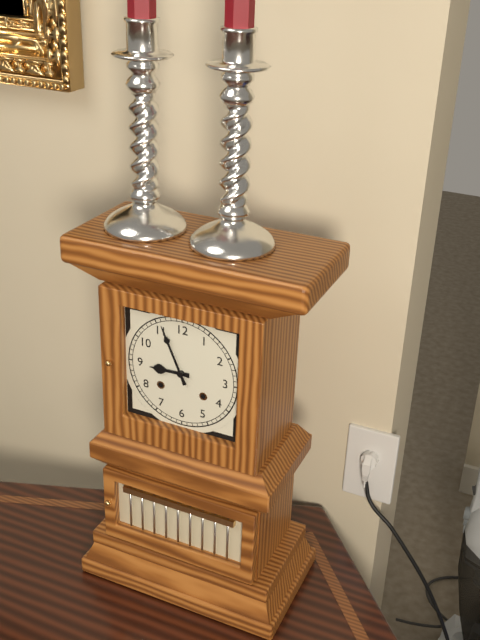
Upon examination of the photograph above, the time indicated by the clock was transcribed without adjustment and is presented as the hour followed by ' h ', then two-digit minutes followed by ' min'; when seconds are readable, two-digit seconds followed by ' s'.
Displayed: 8 h 56 min
